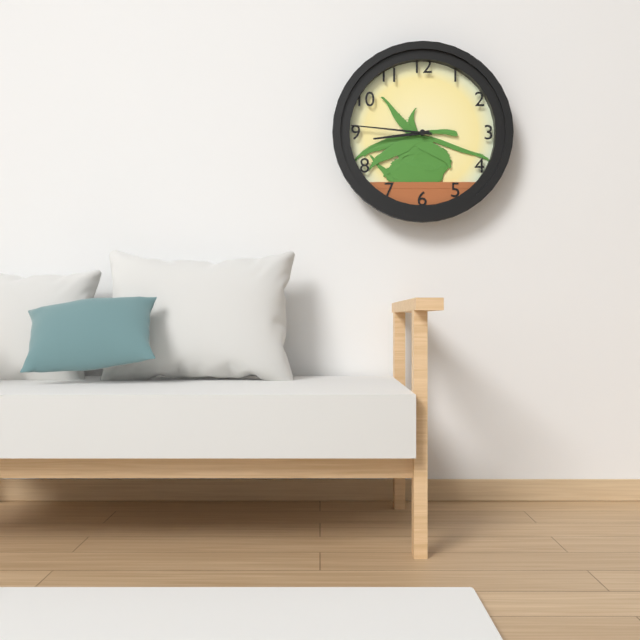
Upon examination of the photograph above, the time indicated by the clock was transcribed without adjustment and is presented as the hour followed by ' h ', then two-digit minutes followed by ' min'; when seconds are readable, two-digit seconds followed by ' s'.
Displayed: 8 h 46 min
